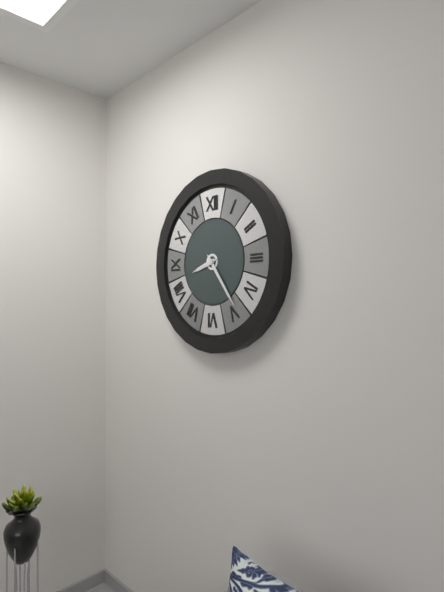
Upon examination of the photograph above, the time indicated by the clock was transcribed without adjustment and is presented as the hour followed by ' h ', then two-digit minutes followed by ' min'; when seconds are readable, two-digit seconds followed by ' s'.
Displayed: 8 h 24 min
